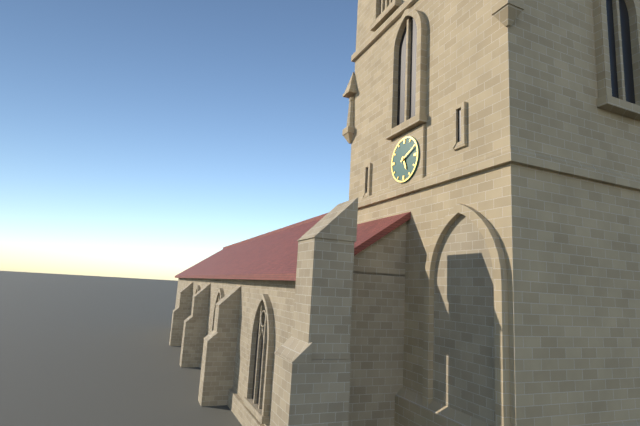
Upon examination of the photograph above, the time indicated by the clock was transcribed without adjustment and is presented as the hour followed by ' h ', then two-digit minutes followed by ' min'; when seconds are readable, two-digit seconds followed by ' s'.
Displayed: 5 h 11 min
